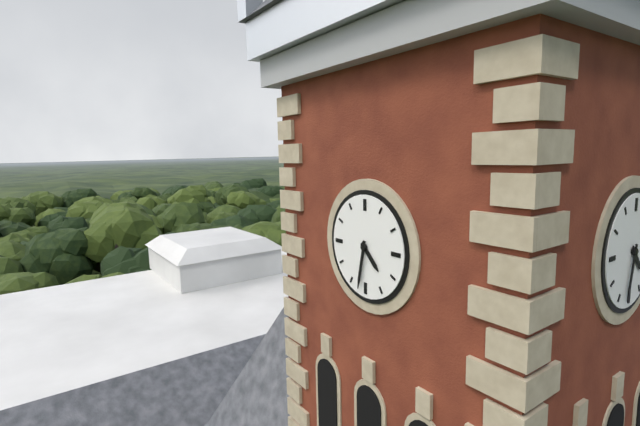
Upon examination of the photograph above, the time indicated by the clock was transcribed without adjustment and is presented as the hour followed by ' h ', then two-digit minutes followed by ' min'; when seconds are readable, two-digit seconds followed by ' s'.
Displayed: 4 h 32 min
